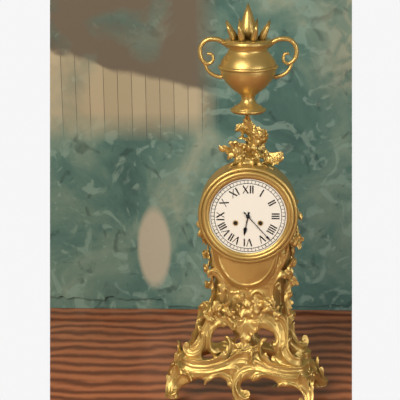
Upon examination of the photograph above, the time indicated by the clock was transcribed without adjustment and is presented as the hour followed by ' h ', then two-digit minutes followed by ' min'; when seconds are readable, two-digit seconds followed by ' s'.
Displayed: 6 h 23 min
